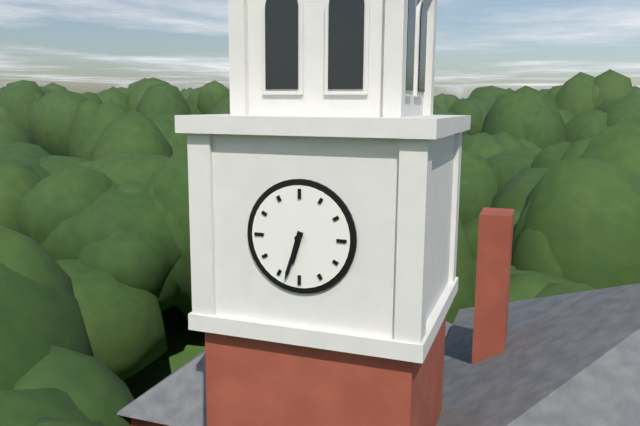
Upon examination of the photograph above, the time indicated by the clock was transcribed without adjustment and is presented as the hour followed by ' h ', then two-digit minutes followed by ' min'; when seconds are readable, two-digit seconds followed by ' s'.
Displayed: 6 h 33 min
